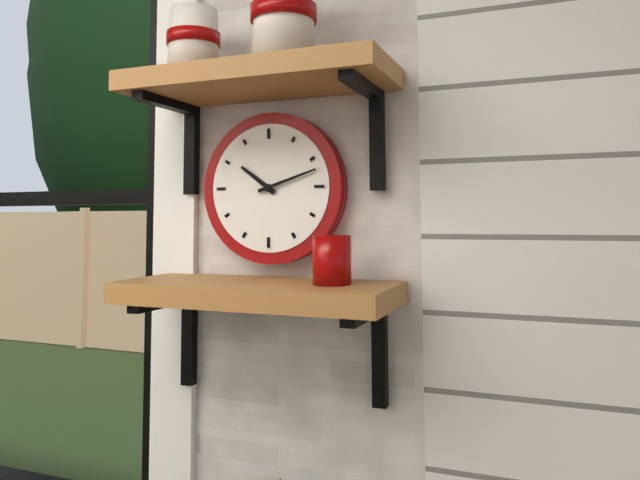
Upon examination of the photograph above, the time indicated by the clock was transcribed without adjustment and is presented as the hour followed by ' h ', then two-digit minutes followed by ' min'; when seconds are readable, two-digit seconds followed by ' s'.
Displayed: 10 h 12 min
